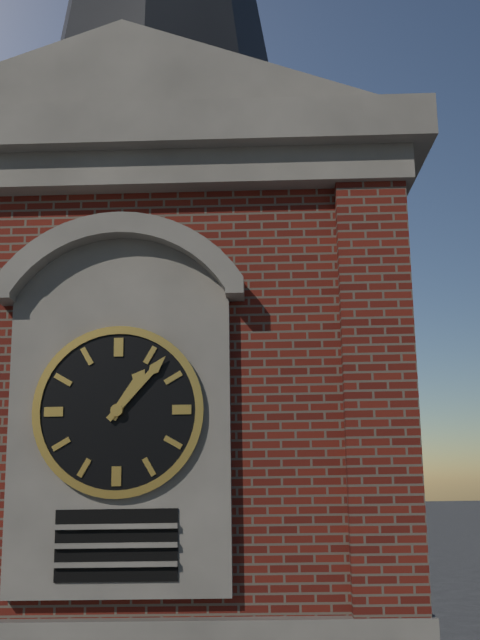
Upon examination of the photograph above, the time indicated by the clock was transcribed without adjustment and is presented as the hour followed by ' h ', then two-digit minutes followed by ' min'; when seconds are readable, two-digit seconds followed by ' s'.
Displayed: 1 h 07 min
